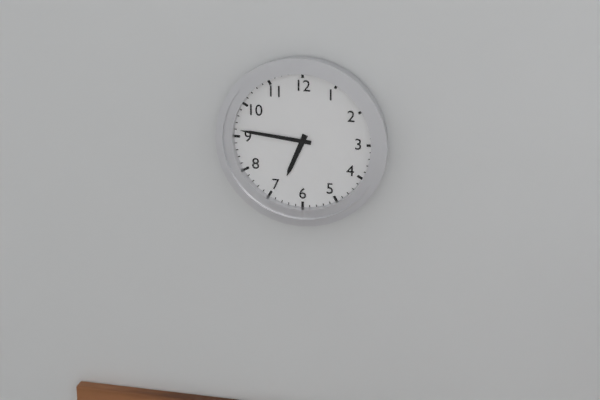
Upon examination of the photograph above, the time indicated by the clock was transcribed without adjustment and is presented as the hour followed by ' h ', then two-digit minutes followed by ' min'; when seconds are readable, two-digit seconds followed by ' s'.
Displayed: 6 h 46 min
